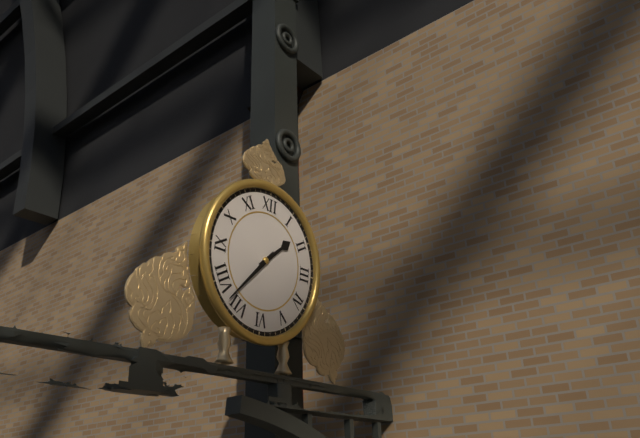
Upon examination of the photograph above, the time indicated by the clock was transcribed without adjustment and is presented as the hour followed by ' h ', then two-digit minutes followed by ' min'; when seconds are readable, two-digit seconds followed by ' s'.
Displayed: 1 h 37 min
